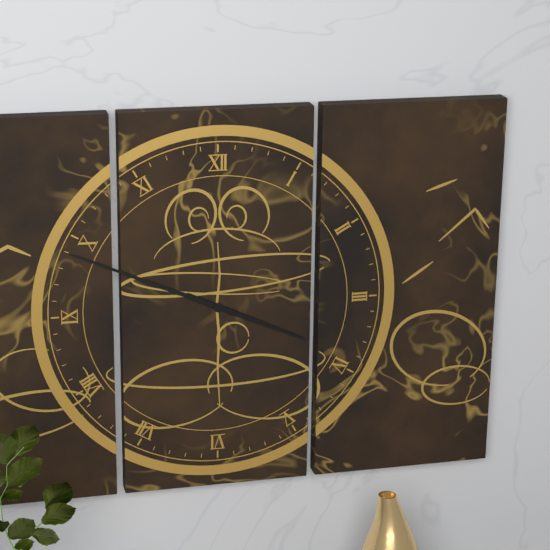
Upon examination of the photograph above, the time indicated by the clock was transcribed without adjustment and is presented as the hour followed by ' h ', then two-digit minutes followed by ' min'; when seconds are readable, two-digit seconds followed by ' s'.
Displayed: 3 h 49 min
